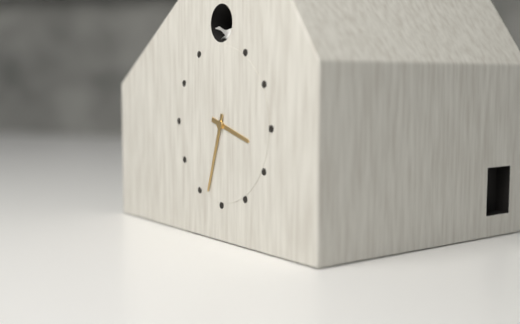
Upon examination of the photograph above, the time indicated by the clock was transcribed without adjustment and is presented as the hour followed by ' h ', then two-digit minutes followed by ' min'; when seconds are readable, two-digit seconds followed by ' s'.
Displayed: 3 h 33 min
